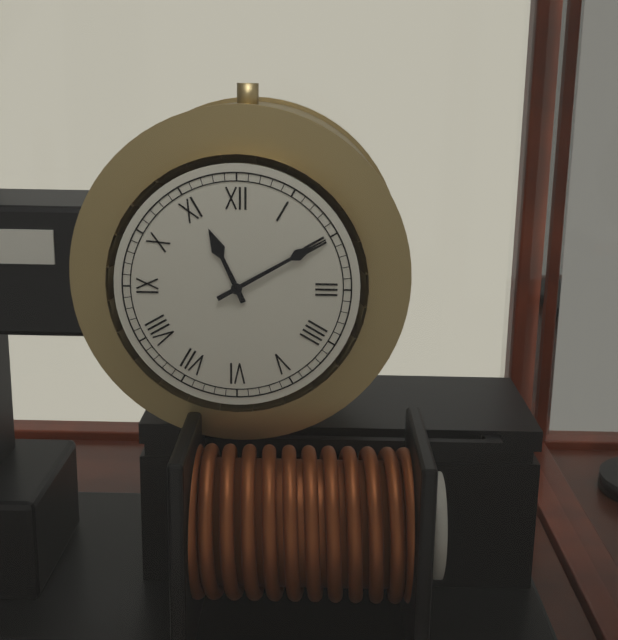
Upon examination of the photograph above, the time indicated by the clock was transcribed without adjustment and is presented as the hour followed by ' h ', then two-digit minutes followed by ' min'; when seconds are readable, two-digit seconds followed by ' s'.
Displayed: 11 h 10 min
